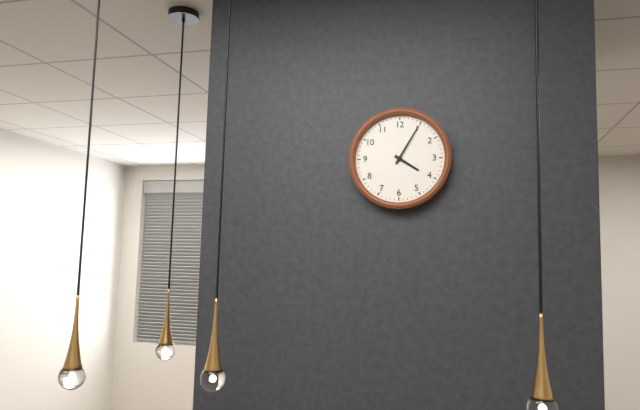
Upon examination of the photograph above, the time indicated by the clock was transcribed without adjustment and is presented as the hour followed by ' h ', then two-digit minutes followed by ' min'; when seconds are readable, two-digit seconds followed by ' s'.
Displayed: 4 h 05 min
